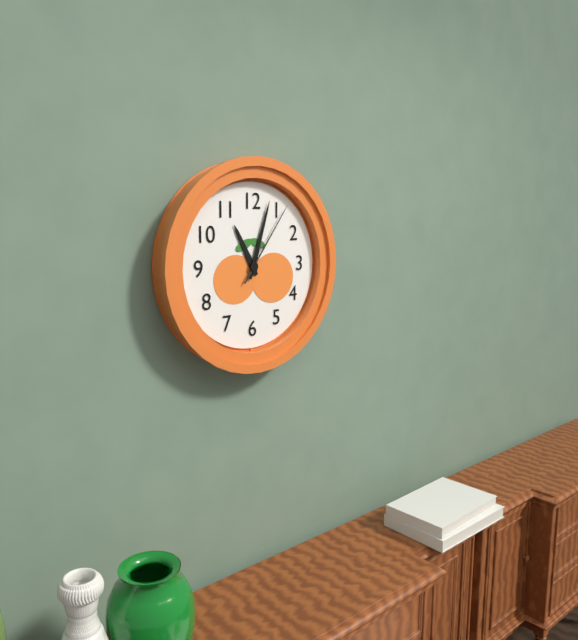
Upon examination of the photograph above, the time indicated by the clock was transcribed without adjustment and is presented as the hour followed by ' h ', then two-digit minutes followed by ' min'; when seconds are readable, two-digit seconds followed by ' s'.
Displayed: 11 h 03 min 06 s
